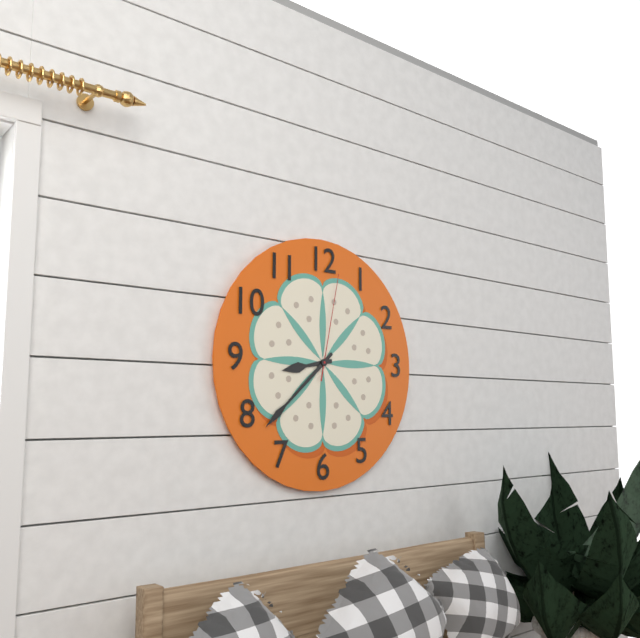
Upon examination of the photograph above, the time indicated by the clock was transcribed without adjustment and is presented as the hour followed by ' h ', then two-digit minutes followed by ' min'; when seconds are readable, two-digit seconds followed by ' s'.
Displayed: 8 h 38 min 02 s
